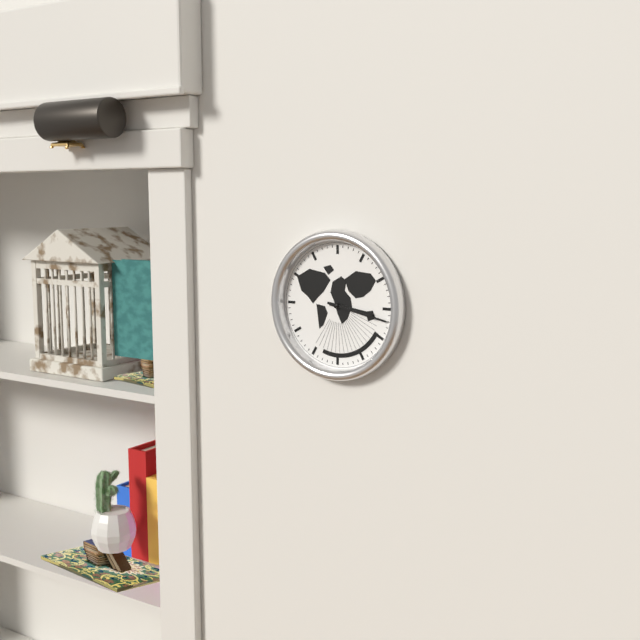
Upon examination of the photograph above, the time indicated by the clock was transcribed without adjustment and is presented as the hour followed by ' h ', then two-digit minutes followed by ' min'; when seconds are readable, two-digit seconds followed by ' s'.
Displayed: 3 h 17 min
